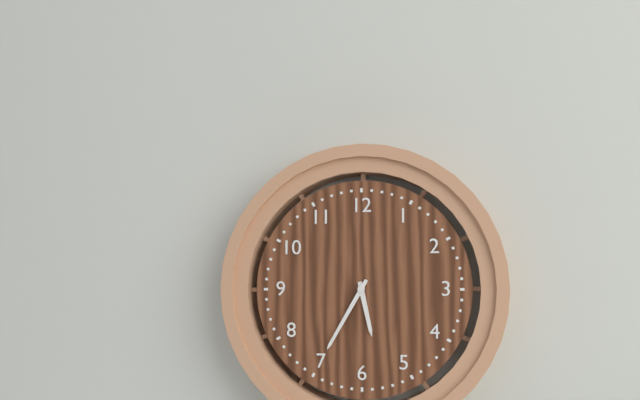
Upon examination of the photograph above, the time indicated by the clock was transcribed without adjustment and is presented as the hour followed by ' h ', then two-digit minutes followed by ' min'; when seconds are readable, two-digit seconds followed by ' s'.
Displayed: 5 h 35 min
